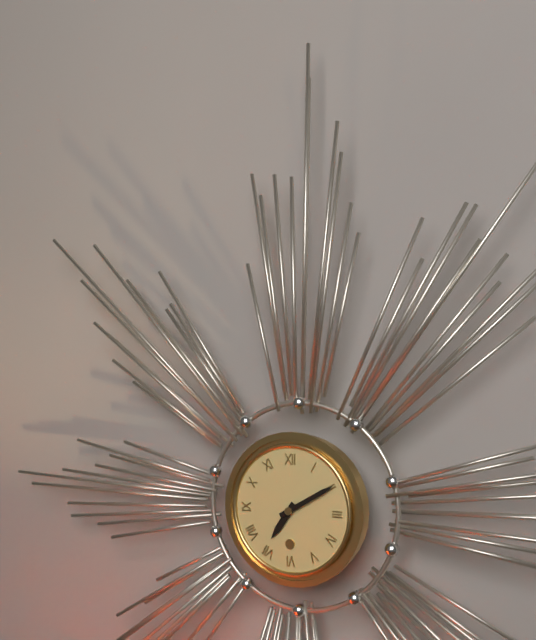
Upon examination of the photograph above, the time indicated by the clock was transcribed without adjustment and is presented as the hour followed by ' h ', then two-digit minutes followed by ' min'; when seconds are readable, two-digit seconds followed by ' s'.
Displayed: 7 h 10 min
